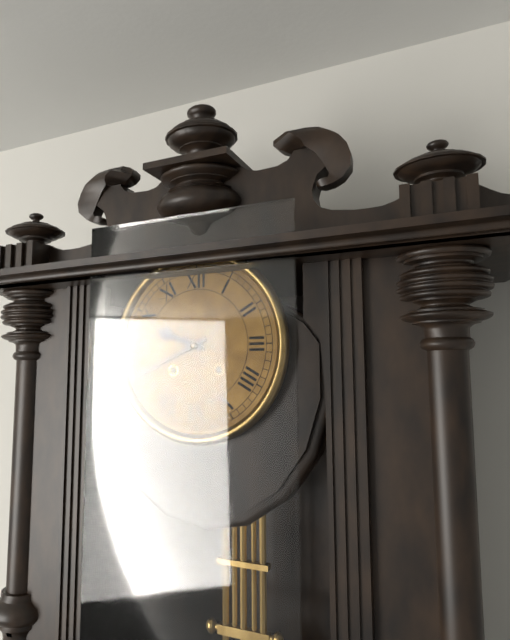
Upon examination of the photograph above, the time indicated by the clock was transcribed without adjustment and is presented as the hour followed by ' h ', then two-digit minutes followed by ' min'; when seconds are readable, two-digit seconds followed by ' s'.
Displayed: 9 h 41 min
